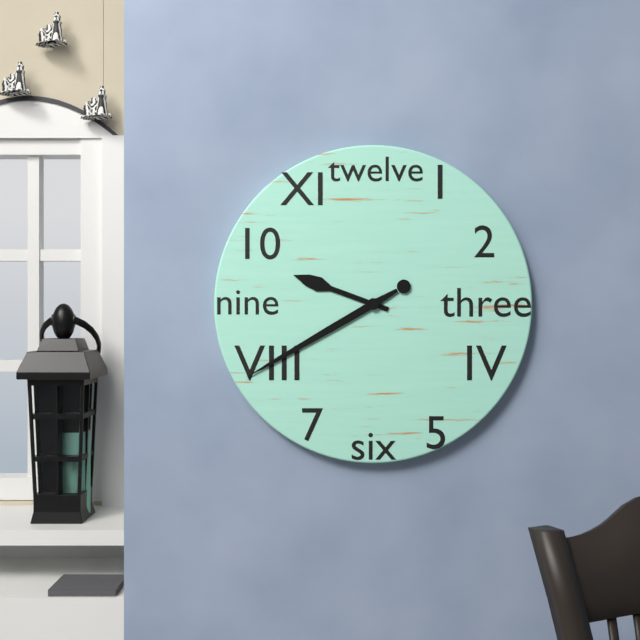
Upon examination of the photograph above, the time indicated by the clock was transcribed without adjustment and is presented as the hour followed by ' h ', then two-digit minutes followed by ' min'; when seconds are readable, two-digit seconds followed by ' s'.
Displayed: 9 h 40 min
